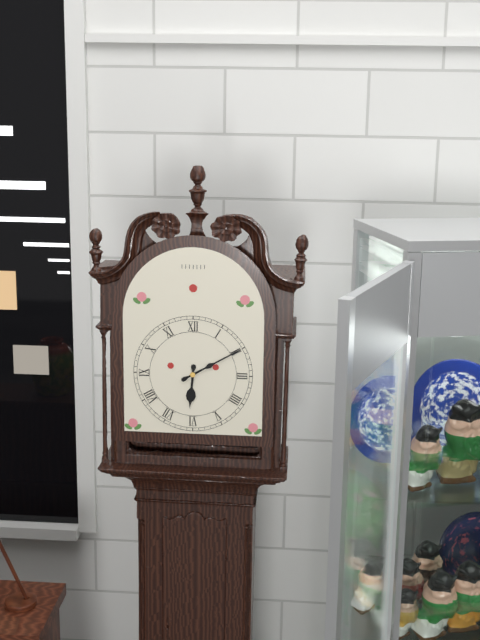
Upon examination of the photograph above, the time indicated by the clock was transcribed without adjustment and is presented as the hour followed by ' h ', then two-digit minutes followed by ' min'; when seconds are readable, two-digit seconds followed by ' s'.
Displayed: 6 h 10 min
